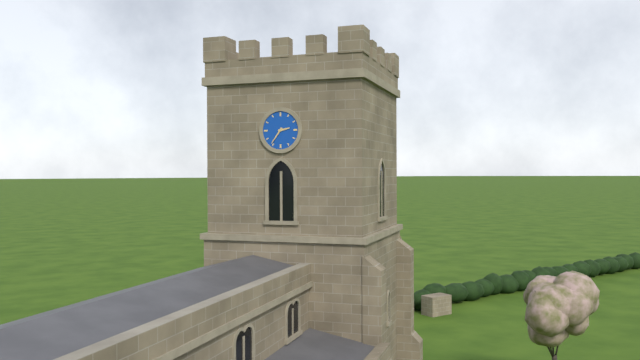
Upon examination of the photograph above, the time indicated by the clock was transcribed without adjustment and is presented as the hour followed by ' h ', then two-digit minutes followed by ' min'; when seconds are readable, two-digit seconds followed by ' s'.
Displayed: 2 h 36 min
